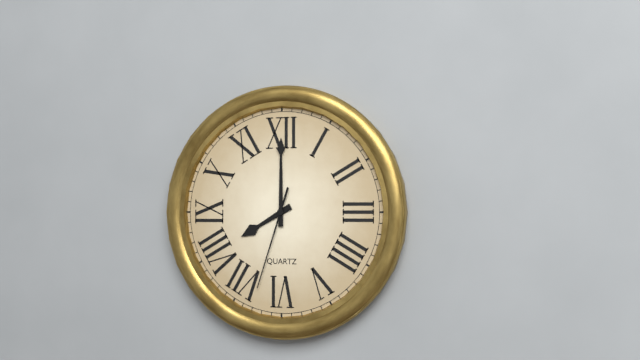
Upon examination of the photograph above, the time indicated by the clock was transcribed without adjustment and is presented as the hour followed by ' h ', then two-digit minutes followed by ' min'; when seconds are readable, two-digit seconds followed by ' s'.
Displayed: 8 h 00 min 33 s
